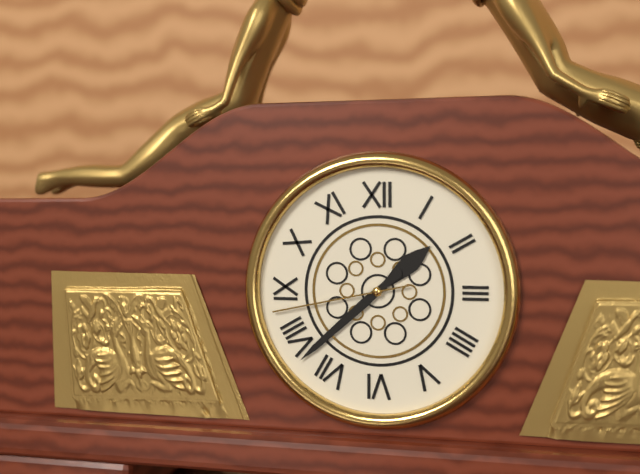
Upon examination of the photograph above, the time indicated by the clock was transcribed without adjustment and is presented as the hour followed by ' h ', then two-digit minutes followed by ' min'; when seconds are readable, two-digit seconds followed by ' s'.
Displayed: 1 h 38 min 43 s
